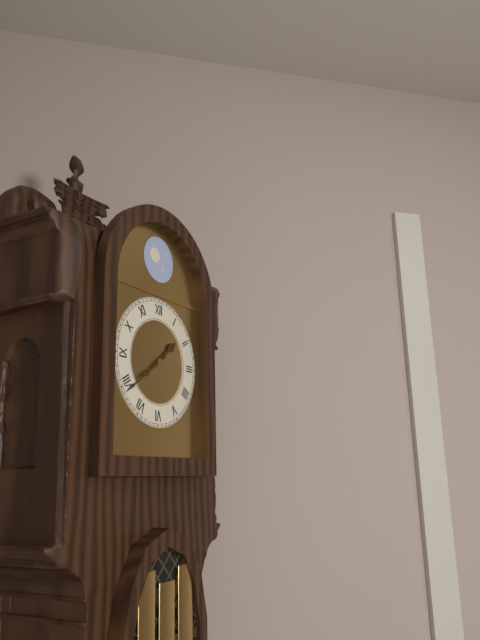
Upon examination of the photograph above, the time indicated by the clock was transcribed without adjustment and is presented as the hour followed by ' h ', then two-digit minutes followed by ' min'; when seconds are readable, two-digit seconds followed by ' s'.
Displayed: 1 h 39 min
